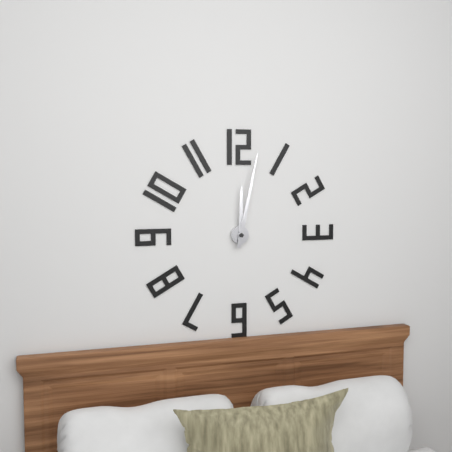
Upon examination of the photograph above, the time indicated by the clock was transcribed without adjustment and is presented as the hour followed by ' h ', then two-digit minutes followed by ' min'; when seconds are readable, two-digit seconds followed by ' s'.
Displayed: 12 h 02 min
